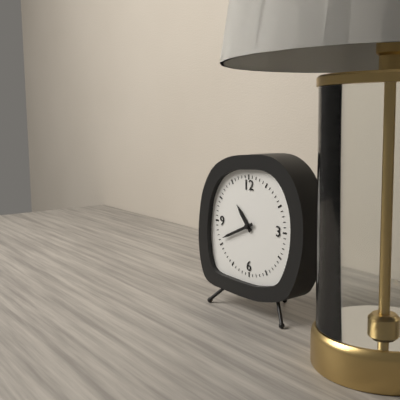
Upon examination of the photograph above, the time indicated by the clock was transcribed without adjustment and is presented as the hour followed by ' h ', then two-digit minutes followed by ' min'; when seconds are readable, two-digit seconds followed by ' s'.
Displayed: 10 h 41 min
